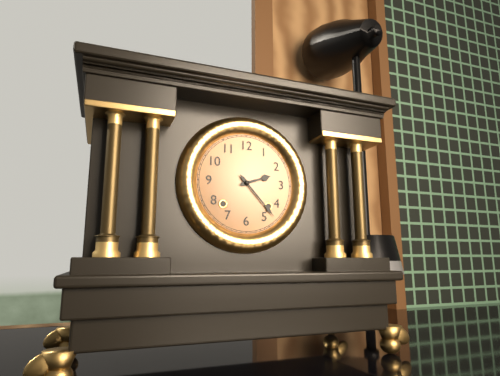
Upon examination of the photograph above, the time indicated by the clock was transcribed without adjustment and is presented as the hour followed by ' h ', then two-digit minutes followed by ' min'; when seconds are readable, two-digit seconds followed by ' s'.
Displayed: 2 h 23 min
